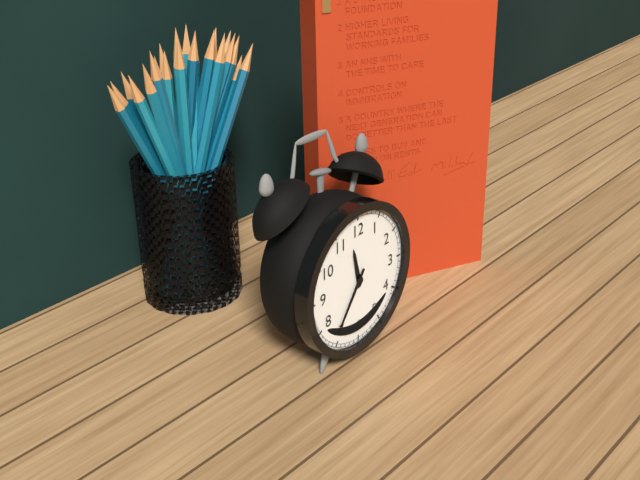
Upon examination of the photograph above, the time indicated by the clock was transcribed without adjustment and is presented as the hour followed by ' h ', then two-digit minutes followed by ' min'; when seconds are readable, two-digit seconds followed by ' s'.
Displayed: 11 h 36 min
